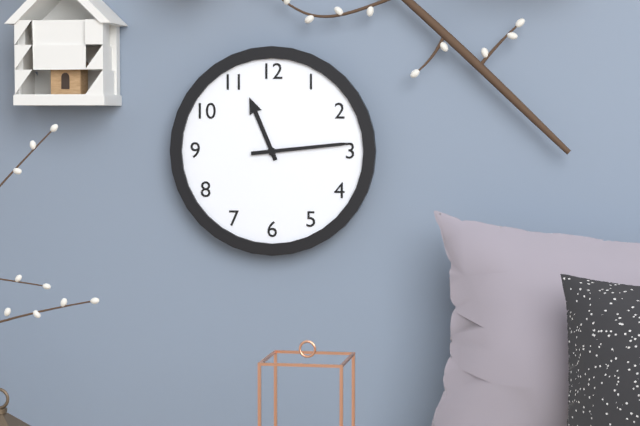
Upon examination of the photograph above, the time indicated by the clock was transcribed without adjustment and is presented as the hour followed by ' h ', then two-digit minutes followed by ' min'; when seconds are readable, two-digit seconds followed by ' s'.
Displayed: 11 h 14 min
